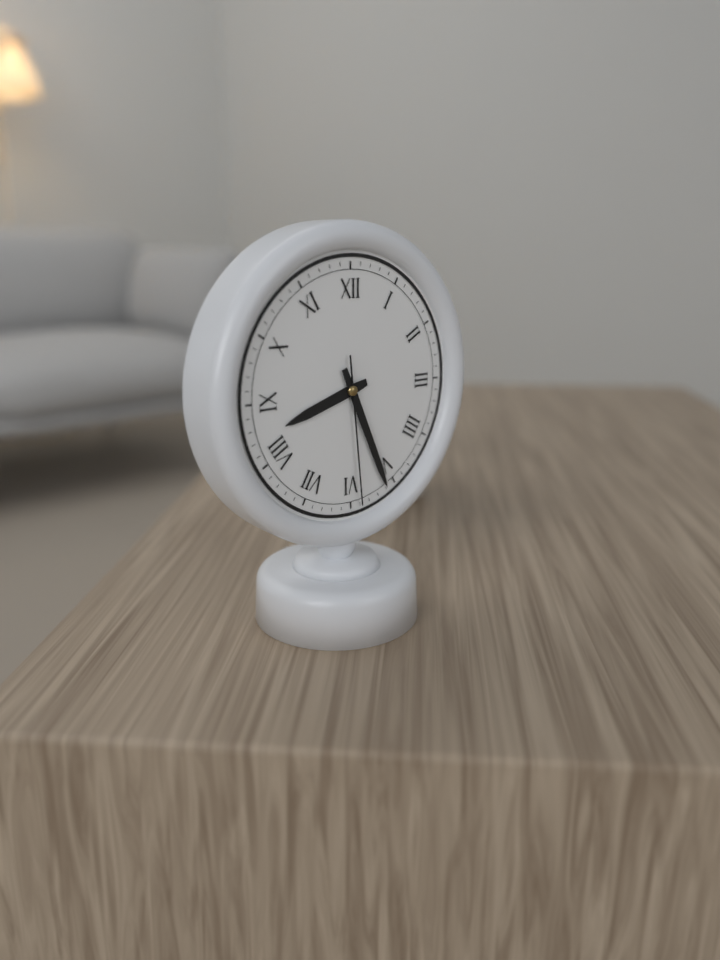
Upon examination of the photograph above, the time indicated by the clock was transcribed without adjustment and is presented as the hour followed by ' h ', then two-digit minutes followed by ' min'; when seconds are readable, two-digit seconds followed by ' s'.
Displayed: 8 h 26 min 29 s
